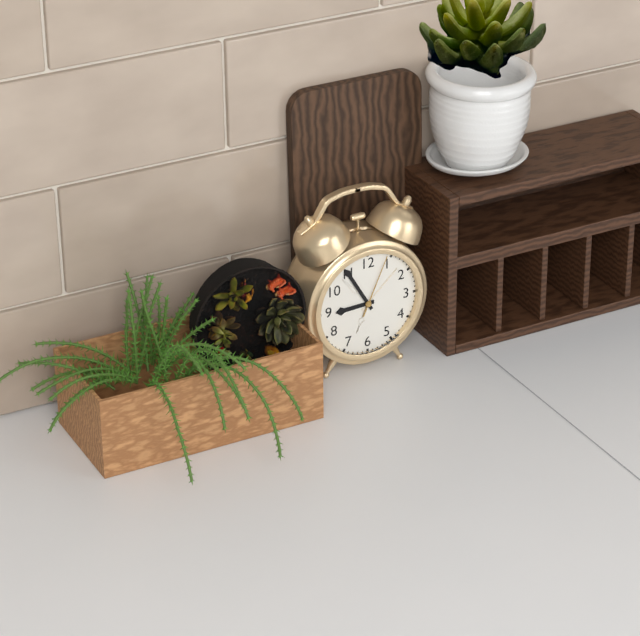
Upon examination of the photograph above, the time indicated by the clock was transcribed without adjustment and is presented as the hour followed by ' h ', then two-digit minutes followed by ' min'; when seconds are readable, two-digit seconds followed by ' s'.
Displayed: 8 h 55 min 04 s
